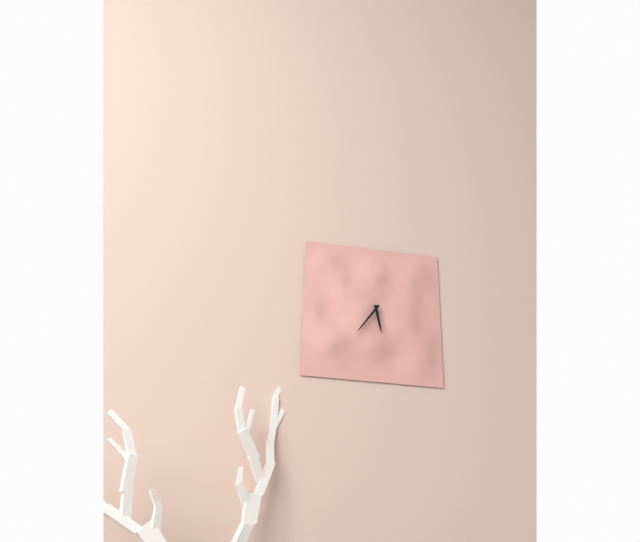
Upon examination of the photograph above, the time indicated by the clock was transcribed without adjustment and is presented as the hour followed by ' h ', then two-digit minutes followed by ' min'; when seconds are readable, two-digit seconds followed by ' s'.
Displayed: 5 h 36 min
